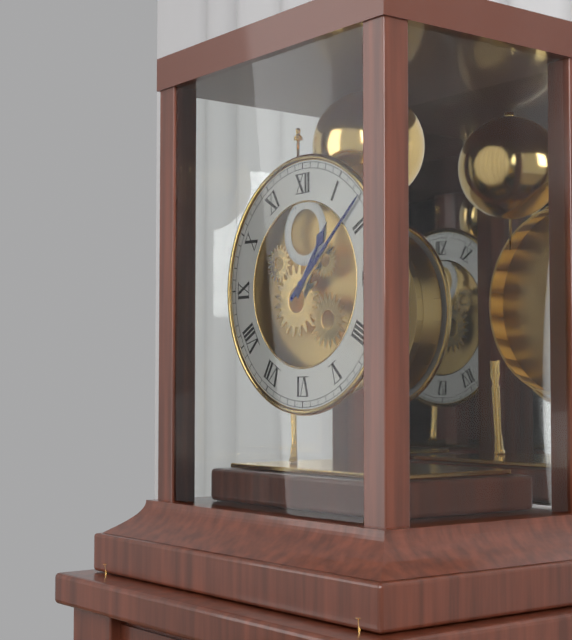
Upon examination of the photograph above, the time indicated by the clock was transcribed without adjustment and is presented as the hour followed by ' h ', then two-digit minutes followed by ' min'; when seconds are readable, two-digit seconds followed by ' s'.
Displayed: 1 h 08 min
